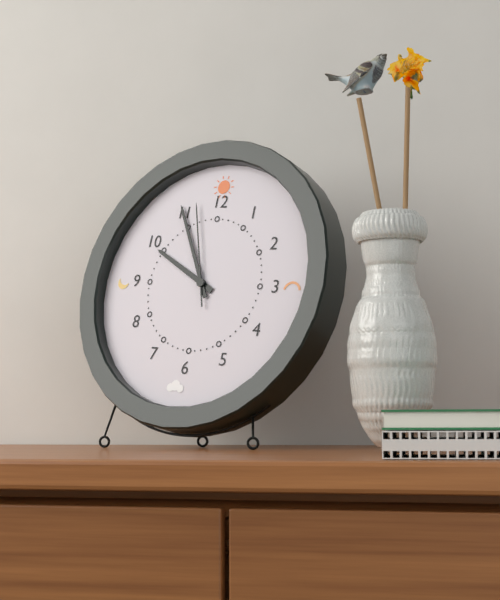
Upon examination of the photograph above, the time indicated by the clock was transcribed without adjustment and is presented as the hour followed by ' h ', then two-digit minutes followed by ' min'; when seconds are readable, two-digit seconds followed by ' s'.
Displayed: 9 h 55 min 57 s
